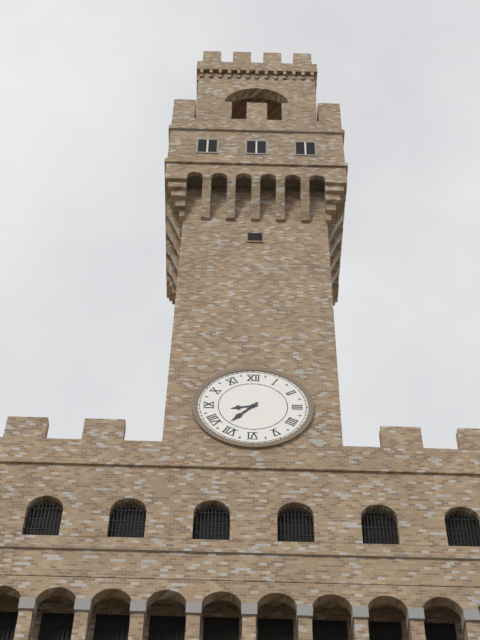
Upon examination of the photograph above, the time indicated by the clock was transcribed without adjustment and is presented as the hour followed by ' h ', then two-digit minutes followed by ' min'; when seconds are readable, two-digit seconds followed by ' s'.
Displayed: 8 h 37 min
